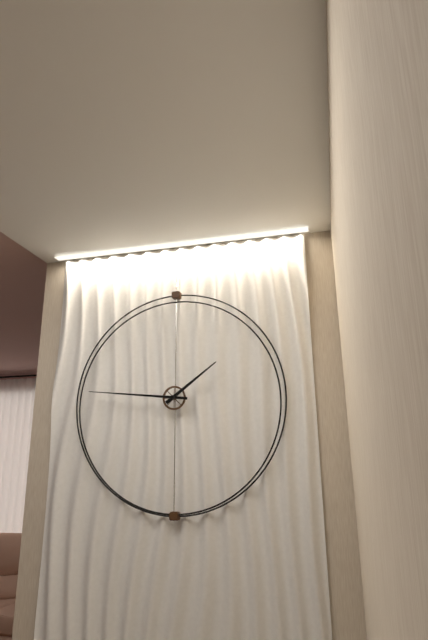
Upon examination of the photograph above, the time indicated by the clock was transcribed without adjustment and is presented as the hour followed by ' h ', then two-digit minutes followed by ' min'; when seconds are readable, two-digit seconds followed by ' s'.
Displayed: 1 h 46 min
